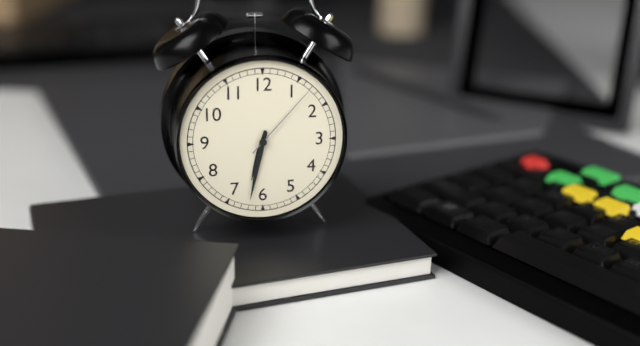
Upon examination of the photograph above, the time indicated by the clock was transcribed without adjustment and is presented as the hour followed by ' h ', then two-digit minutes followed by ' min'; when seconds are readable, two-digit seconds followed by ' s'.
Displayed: 6 h 32 min 07 s
